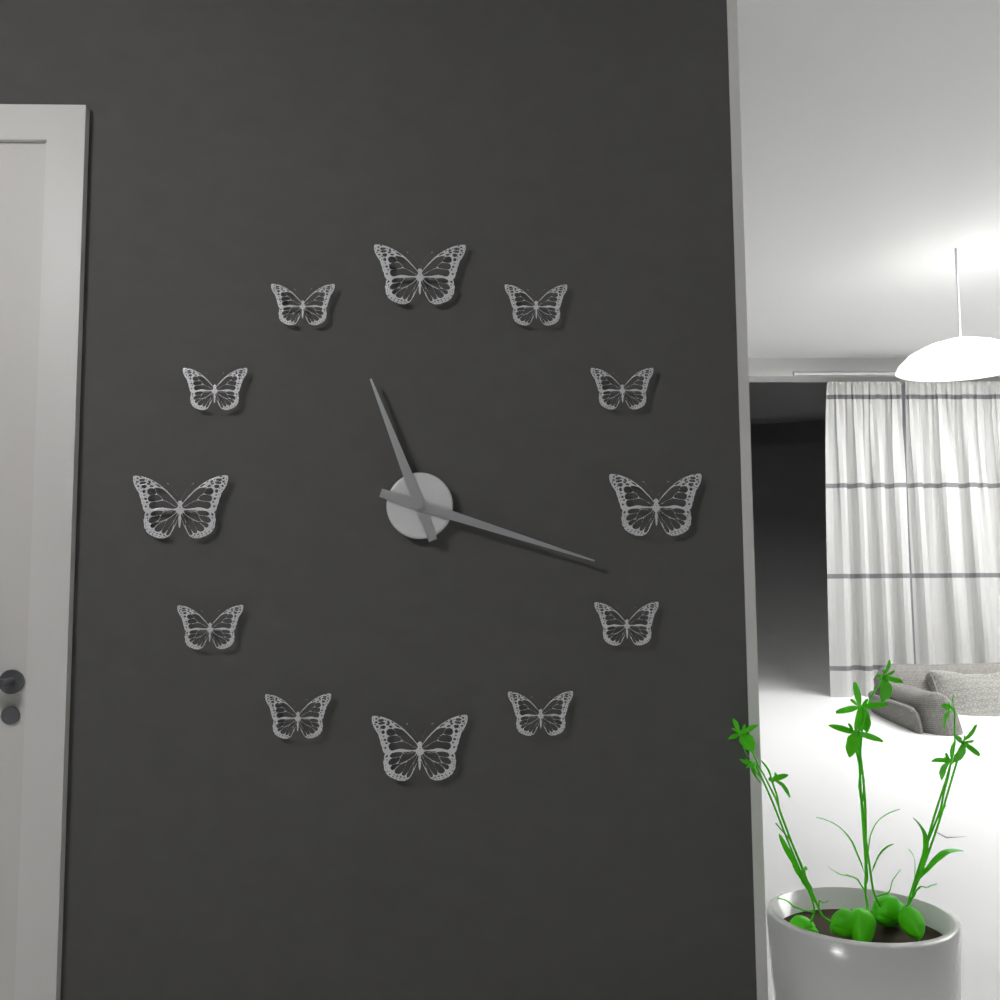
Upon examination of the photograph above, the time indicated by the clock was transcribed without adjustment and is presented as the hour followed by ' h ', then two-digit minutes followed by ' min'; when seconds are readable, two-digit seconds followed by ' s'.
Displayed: 11 h 18 min
